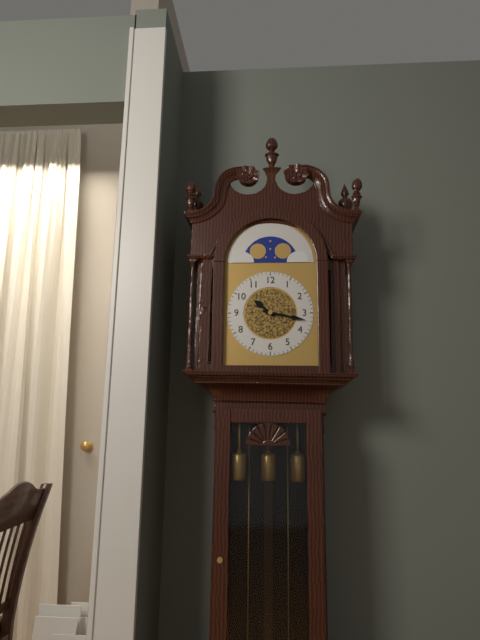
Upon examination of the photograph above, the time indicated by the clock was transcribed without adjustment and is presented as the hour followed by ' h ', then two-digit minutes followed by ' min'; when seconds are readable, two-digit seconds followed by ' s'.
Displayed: 10 h 17 min
